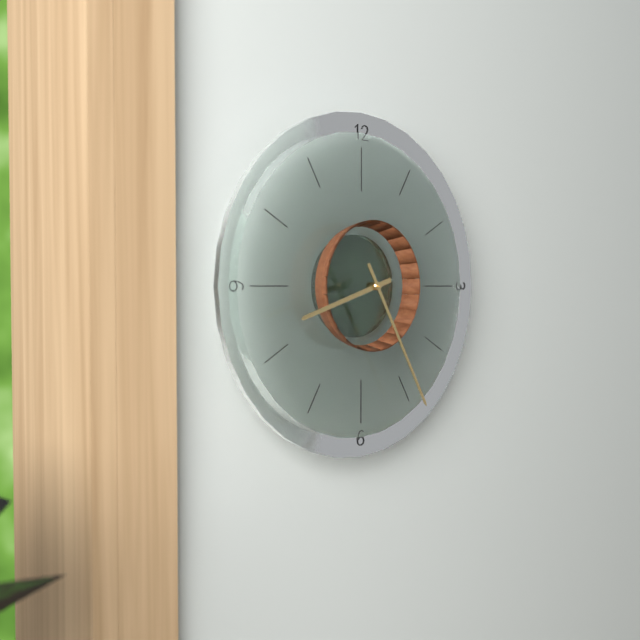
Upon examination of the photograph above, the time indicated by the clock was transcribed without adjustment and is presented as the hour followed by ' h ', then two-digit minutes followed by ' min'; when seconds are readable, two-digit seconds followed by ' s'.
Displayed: 8 h 25 min
